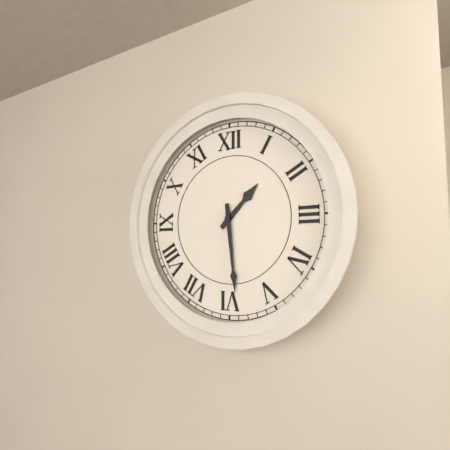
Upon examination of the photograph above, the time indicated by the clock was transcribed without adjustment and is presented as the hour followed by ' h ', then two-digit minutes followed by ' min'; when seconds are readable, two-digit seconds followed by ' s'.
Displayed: 1 h 29 min
